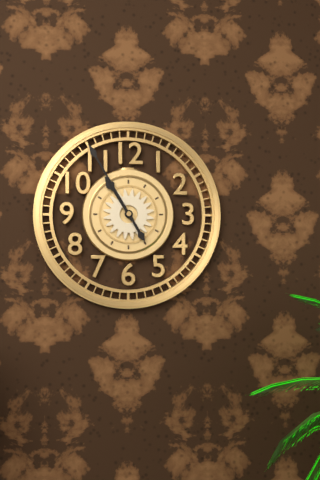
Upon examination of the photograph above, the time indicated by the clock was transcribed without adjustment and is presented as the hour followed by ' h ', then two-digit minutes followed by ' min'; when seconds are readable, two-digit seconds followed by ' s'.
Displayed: 10 h 55 min
